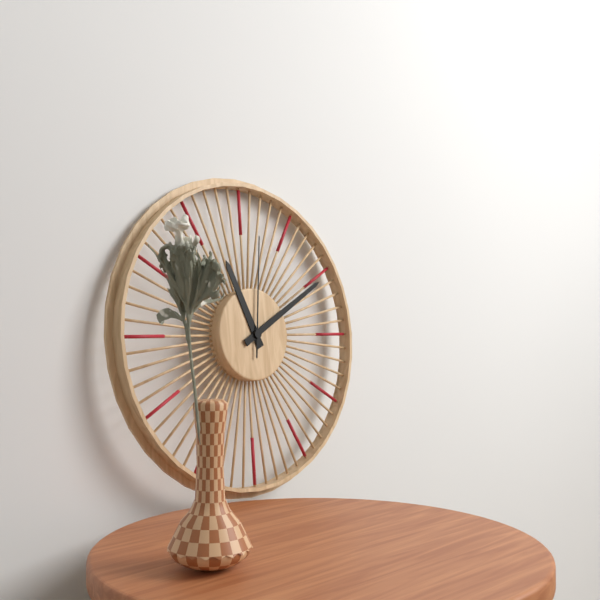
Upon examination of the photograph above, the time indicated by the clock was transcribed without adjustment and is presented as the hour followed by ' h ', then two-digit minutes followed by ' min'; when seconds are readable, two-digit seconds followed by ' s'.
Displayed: 11 h 10 min 01 s
